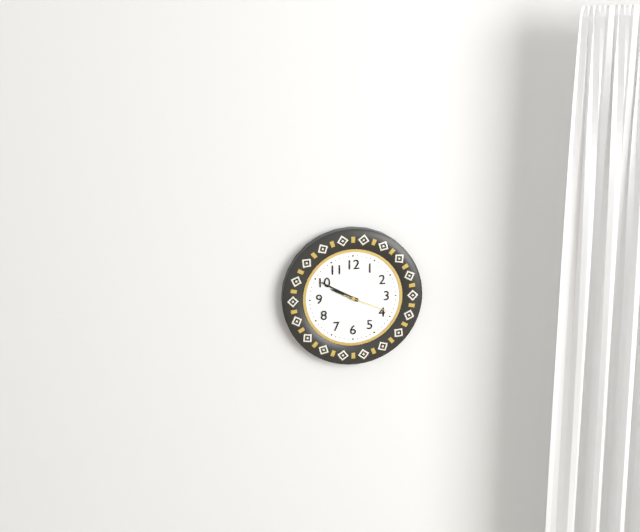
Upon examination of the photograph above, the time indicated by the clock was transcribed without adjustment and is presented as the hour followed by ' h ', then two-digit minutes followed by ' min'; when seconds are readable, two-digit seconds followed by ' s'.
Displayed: 9 h 50 min
